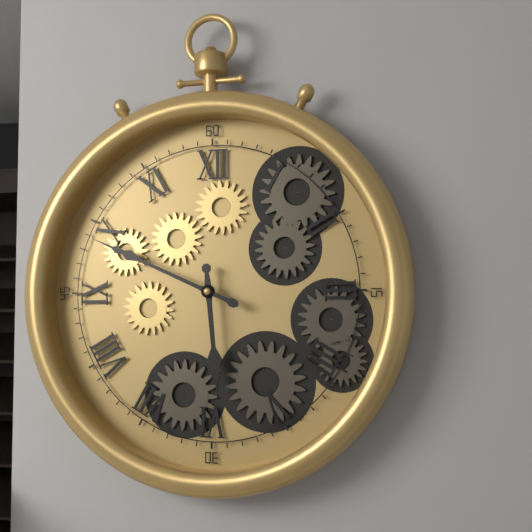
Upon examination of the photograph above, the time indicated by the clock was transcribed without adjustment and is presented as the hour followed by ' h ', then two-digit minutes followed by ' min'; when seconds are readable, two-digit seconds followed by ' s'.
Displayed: 5 h 49 min
